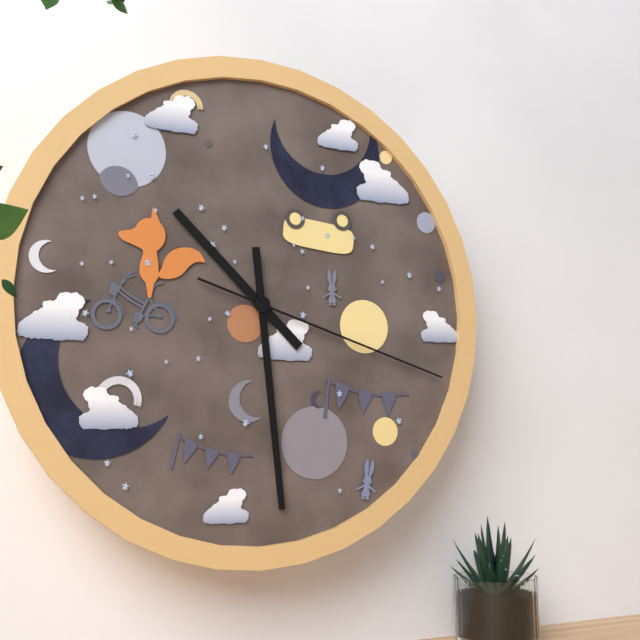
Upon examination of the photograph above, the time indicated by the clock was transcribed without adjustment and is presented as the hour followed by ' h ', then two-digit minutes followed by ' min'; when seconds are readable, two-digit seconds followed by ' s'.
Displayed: 10 h 29 min 18 s
